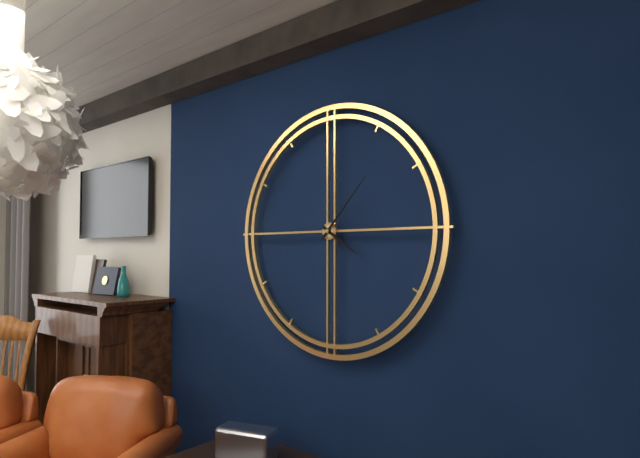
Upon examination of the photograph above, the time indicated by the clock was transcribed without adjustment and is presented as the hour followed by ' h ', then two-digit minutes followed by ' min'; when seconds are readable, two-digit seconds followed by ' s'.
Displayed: 4 h 07 min
